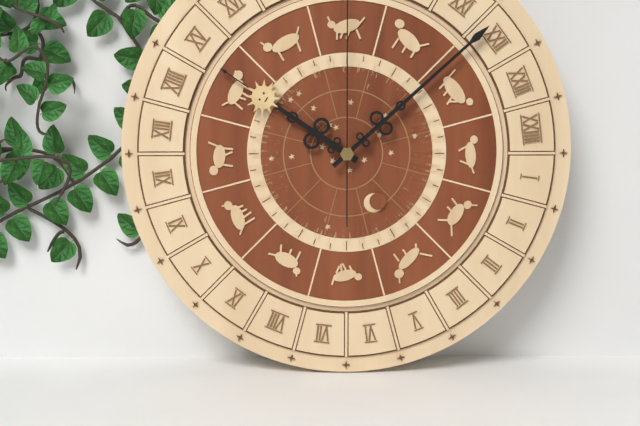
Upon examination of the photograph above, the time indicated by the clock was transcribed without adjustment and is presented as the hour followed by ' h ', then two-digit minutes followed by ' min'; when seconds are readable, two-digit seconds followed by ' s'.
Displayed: 10 h 08 min
